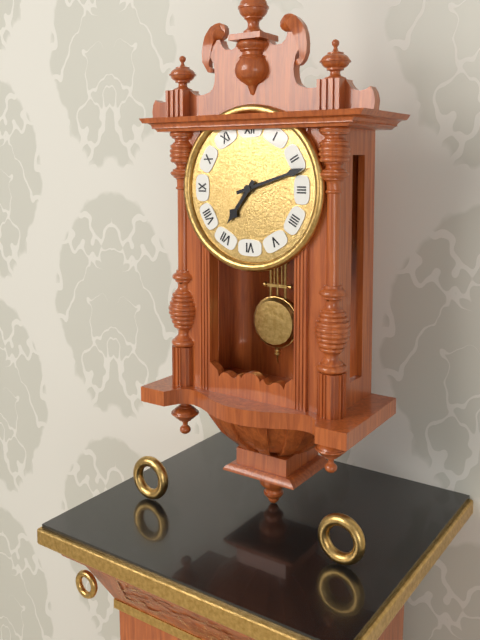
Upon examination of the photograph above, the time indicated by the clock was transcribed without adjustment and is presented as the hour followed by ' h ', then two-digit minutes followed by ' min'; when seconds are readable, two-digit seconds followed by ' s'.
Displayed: 7 h 12 min
